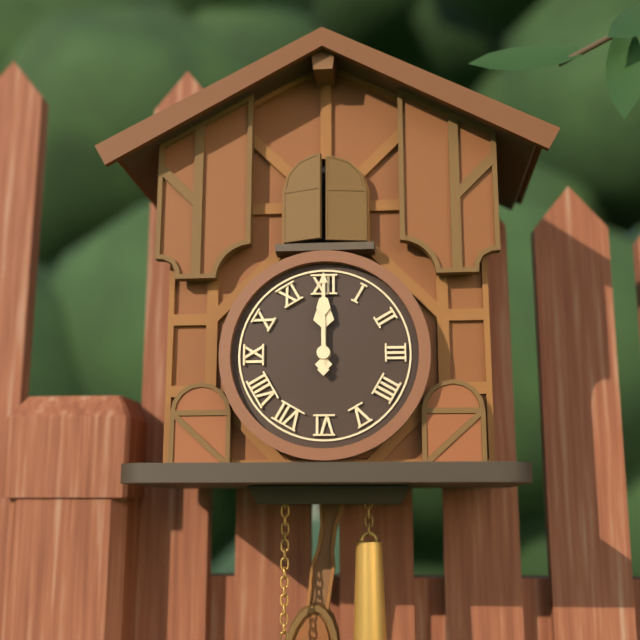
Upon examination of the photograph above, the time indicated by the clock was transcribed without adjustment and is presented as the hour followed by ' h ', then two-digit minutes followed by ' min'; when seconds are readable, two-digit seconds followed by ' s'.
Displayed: 12 h 00 min
